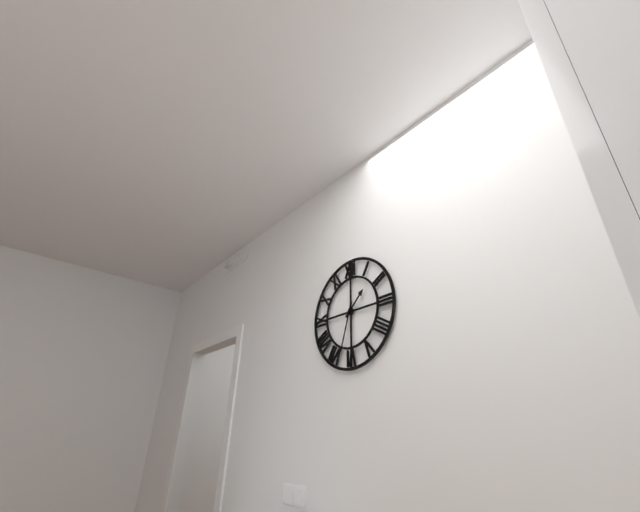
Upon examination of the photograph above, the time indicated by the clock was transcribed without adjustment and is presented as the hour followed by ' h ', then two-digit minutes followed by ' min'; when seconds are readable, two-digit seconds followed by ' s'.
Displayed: 1 h 33 min
